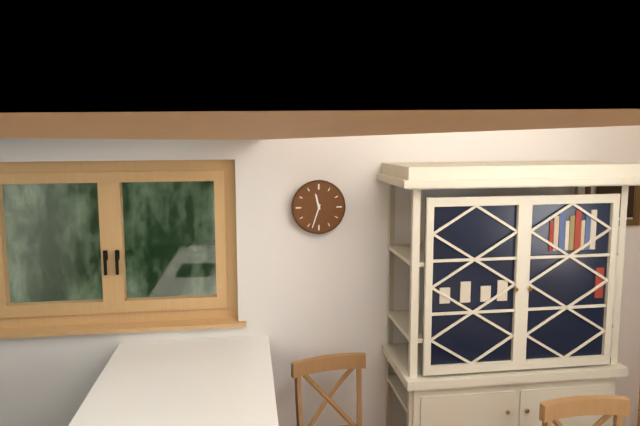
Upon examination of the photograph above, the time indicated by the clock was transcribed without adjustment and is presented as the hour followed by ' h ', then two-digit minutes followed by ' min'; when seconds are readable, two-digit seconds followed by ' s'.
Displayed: 11 h 33 min
